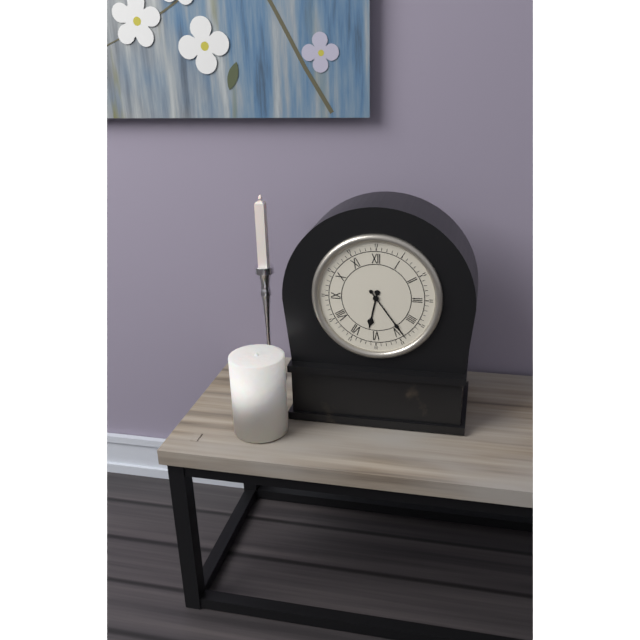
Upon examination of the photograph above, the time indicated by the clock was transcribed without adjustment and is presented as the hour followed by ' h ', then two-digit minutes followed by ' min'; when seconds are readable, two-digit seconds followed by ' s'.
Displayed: 6 h 24 min
